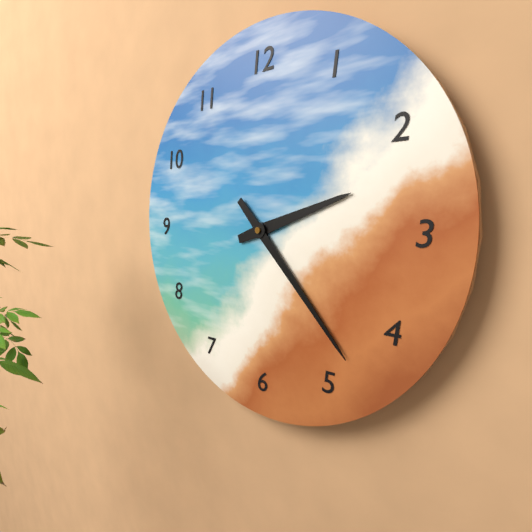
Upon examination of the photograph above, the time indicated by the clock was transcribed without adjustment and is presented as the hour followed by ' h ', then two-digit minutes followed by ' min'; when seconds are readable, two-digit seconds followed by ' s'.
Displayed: 2 h 23 min
